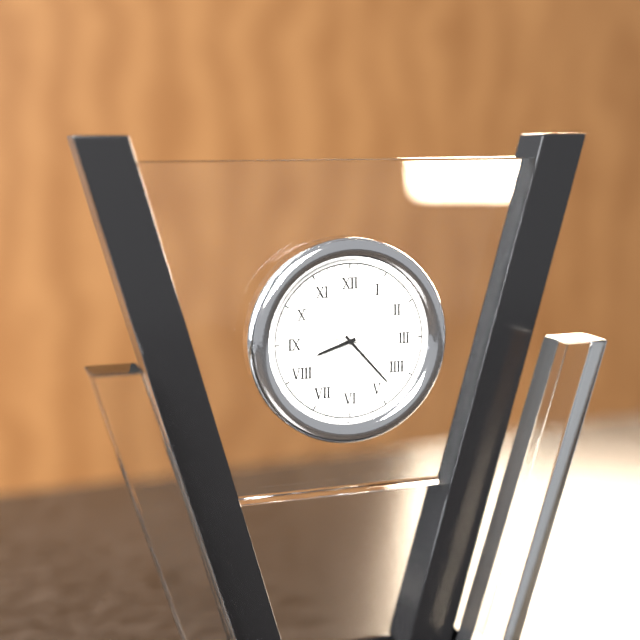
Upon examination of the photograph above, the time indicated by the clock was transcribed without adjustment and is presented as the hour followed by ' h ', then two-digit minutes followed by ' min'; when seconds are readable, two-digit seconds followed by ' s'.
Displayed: 8 h 23 min 17 s
